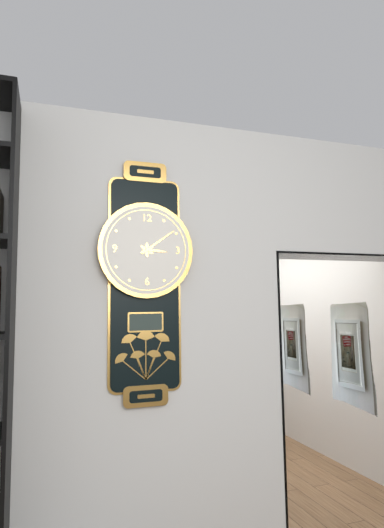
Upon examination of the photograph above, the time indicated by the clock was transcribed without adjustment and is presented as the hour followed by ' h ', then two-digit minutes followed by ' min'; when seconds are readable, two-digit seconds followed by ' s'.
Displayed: 3 h 09 min
